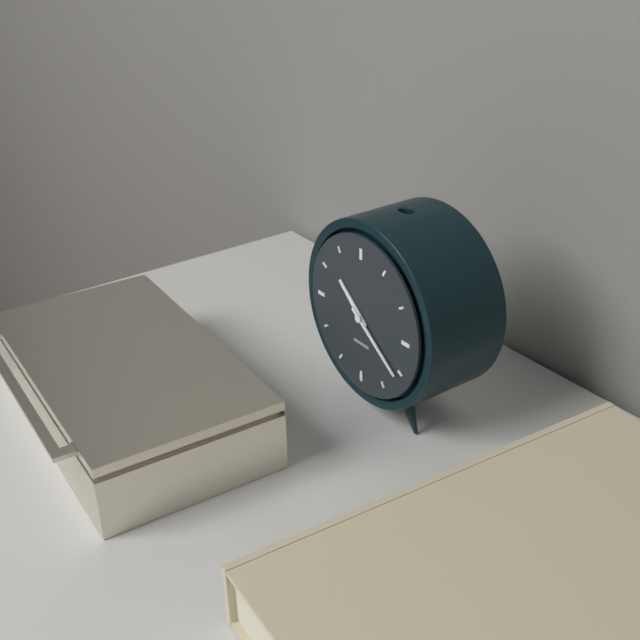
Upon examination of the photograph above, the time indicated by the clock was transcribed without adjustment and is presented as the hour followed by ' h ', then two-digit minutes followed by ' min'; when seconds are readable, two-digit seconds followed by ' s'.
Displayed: 10 h 21 min
